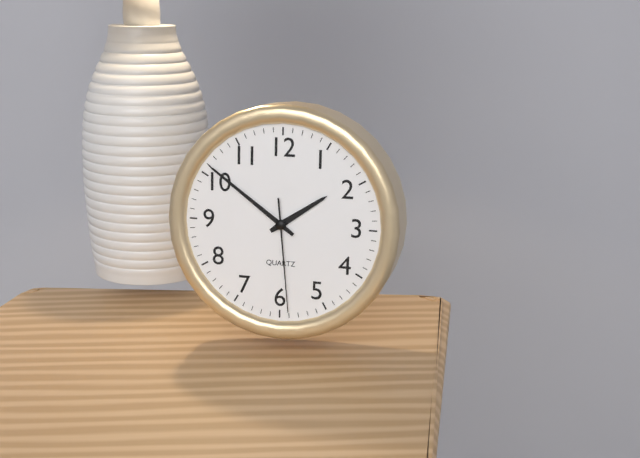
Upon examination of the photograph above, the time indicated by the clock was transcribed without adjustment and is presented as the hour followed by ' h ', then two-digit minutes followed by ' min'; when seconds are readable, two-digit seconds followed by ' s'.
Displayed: 1 h 51 min 29 s
